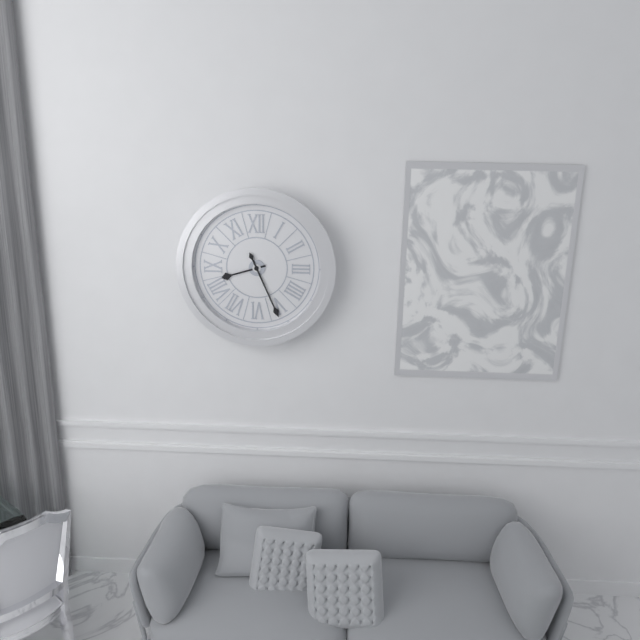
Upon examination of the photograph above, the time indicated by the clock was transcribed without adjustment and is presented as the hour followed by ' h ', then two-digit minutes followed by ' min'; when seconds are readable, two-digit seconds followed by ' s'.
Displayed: 8 h 26 min
